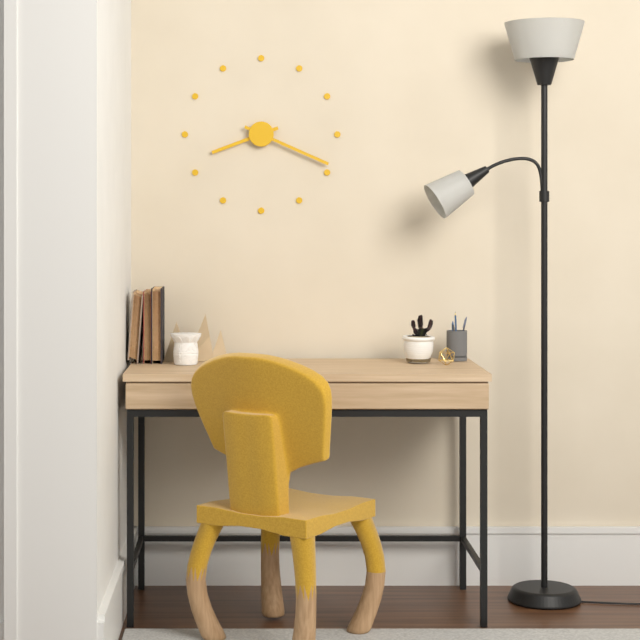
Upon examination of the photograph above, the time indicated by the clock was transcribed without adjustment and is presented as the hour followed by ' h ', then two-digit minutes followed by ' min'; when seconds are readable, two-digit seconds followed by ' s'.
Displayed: 8 h 19 min
